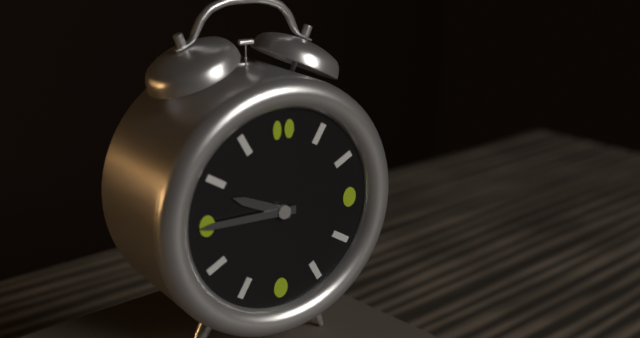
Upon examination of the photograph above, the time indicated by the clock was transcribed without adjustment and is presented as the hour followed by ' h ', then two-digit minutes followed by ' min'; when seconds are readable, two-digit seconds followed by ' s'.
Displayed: 9 h 45 min
